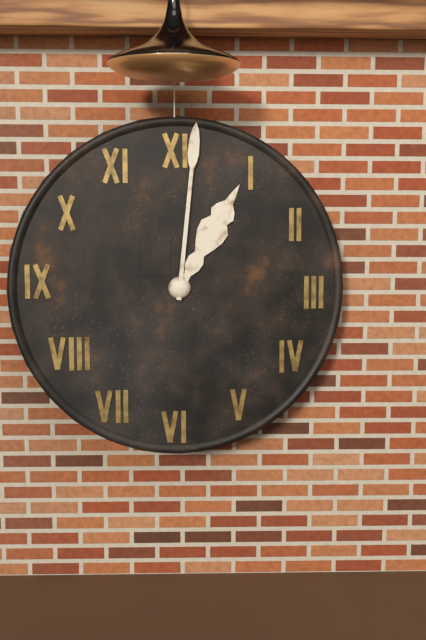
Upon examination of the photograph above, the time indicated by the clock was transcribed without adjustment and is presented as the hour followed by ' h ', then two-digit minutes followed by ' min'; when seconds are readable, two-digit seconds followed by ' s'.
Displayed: 1 h 01 min
